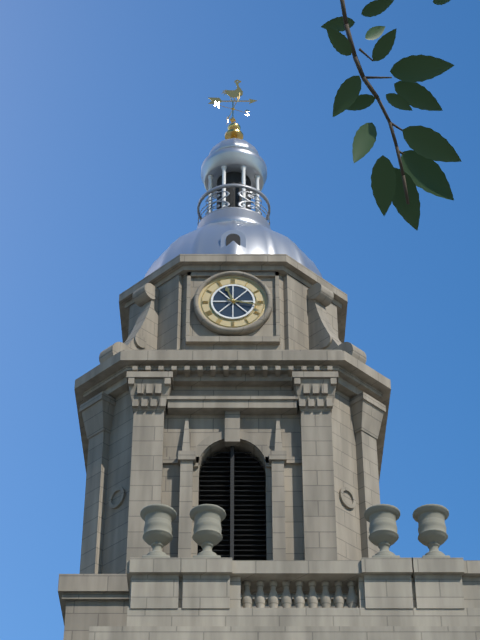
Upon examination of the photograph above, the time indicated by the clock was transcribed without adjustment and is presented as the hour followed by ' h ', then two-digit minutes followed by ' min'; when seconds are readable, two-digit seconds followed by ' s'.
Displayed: 11 h 17 min
